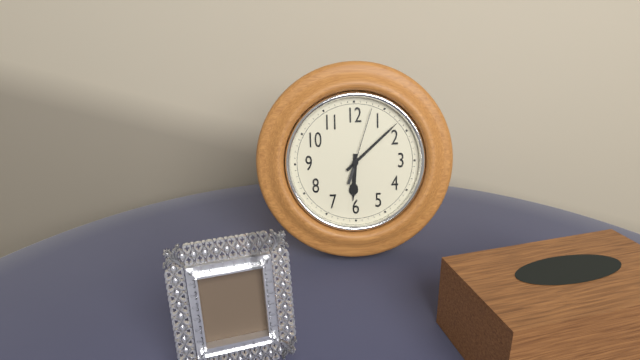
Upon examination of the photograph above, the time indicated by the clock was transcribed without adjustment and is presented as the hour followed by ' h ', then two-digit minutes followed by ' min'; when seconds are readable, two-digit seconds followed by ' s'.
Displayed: 6 h 08 min 03 s
